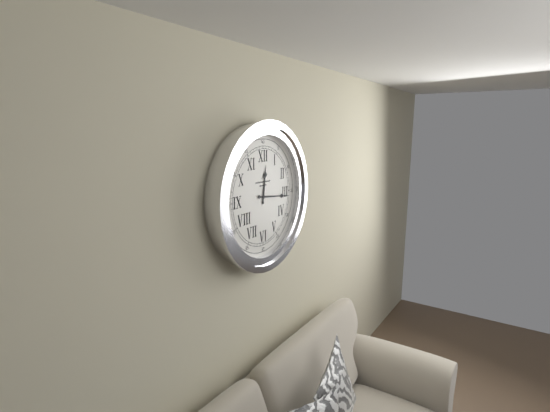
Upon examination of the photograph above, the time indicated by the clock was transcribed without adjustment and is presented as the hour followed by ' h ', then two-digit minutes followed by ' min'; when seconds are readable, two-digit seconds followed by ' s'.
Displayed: 12 h 16 min
